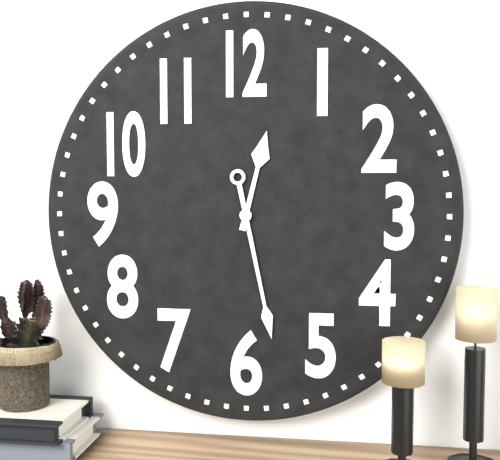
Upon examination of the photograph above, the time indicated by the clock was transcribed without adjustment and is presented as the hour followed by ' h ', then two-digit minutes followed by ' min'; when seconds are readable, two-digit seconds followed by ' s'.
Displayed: 12 h 28 min
